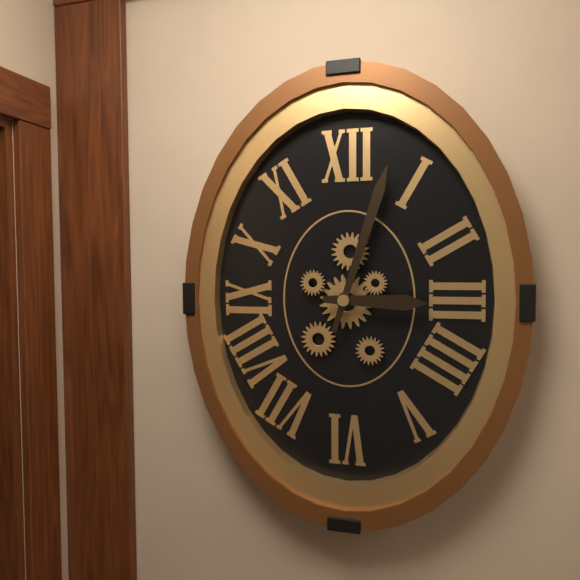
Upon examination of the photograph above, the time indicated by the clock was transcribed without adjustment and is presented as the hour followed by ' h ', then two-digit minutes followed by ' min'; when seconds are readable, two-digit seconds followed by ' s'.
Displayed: 3 h 03 min
